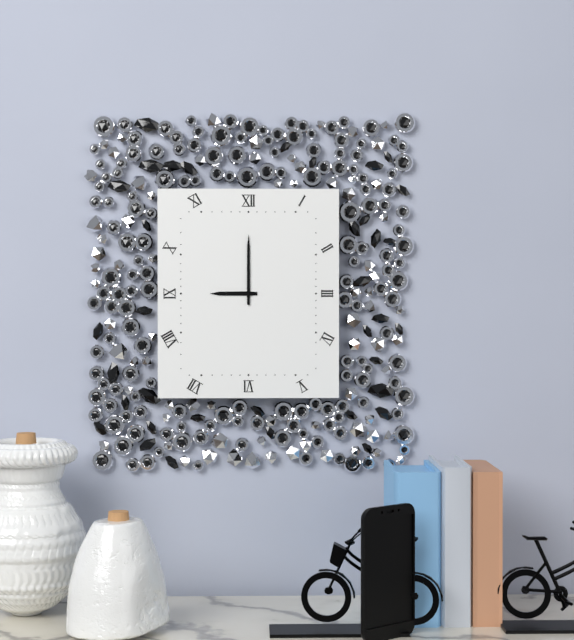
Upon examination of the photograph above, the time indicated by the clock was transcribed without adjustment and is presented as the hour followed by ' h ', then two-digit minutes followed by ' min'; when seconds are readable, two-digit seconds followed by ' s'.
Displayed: 9 h 00 min
